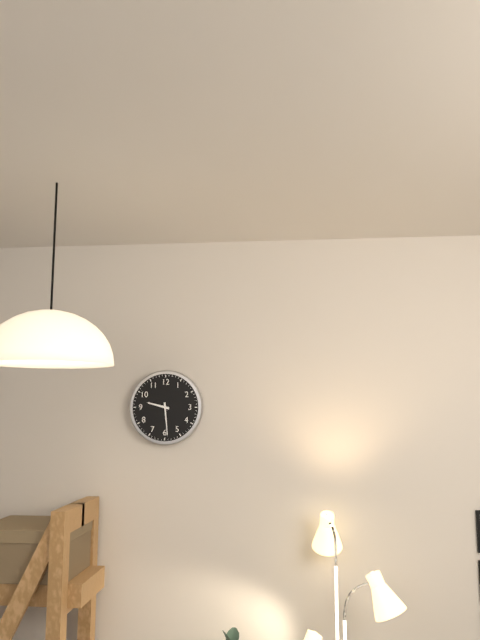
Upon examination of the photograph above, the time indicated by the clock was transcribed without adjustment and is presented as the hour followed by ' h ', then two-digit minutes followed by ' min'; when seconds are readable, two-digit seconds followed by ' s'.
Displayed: 9 h 29 min
